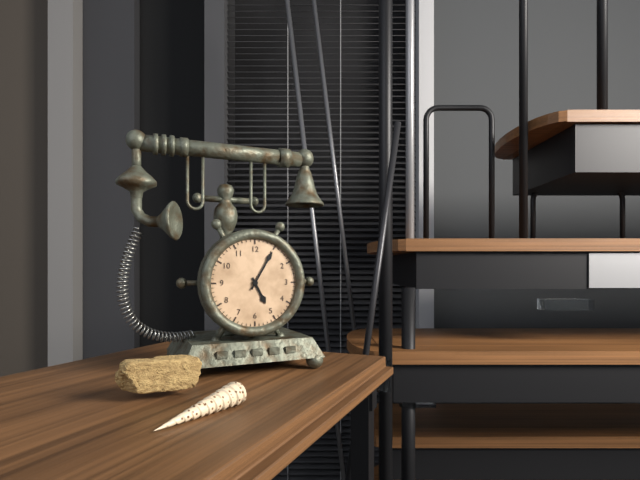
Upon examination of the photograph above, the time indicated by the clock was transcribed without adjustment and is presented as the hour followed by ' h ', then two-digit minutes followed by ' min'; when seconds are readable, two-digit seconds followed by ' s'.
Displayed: 5 h 05 min
